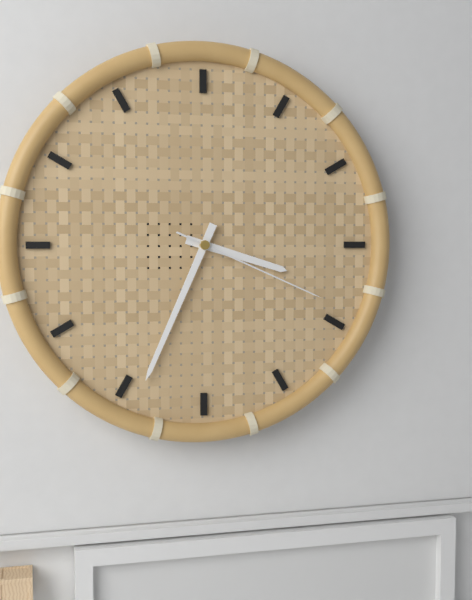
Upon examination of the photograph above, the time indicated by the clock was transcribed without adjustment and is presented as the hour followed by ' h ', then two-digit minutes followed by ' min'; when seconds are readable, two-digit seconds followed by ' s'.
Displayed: 3 h 34 min 19 s
